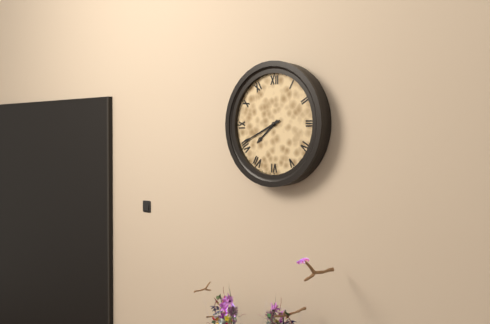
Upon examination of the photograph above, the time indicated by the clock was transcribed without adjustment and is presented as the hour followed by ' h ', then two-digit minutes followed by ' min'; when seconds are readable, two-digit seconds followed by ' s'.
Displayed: 7 h 41 min
